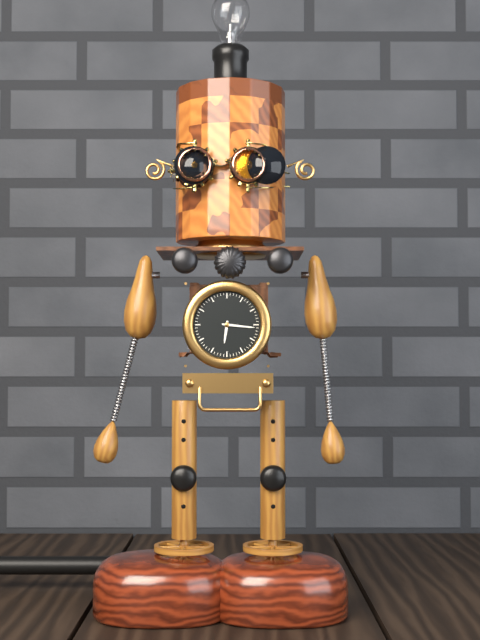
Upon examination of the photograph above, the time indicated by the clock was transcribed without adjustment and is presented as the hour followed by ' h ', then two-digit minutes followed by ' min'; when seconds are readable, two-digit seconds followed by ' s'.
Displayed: 6 h 16 min
